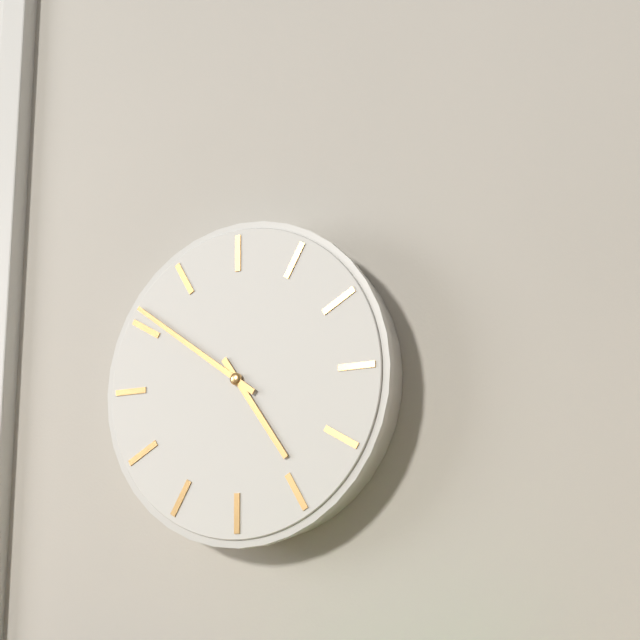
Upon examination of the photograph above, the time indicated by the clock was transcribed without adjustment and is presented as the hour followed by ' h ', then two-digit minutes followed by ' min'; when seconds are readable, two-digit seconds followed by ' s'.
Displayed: 4 h 51 min
